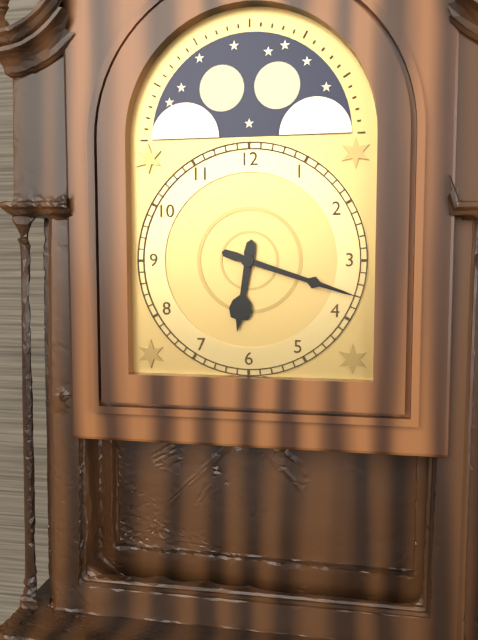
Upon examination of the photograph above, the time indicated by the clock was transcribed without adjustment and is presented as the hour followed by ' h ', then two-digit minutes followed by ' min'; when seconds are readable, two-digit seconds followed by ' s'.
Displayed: 6 h 18 min
